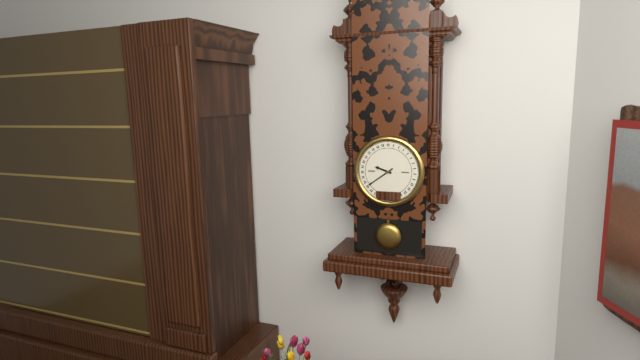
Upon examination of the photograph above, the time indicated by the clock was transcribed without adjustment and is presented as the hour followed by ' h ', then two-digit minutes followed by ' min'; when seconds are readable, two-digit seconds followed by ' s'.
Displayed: 9 h 39 min
